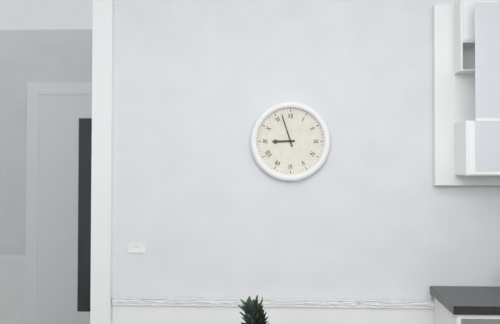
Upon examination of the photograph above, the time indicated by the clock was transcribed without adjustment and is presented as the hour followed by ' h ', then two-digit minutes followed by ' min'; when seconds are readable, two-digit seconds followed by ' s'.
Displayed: 8 h 57 min
